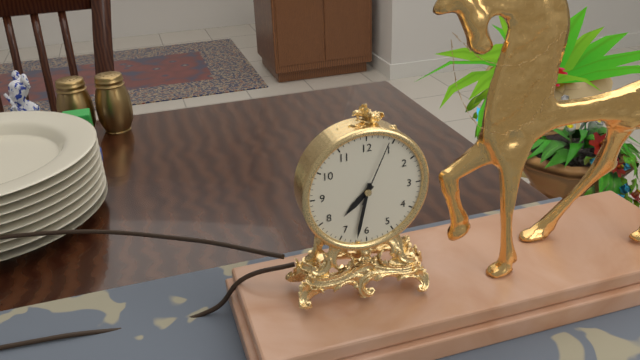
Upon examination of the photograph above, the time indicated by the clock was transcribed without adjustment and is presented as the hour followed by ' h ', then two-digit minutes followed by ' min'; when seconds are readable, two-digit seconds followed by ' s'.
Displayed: 7 h 32 min 04 s
